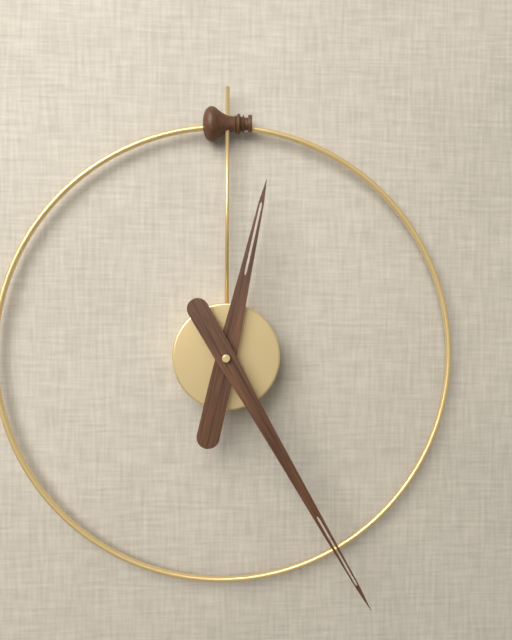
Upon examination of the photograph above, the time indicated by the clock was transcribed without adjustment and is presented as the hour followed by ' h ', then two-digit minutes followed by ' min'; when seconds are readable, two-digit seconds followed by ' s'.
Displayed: 12 h 25 min
